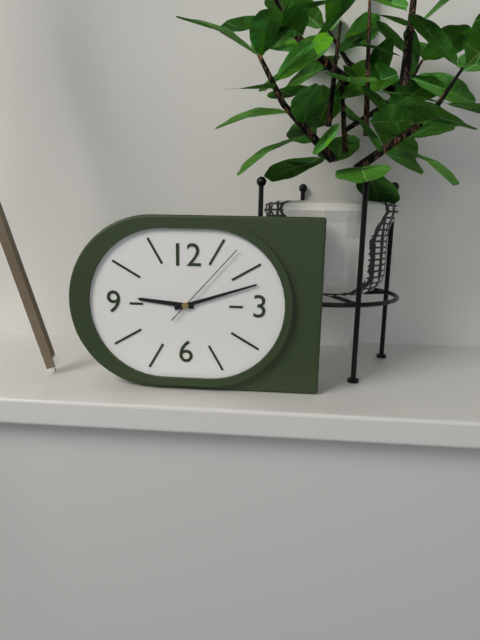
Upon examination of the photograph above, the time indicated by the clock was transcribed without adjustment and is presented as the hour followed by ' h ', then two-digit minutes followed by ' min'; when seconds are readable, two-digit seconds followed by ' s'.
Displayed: 9 h 12 min 07 s
